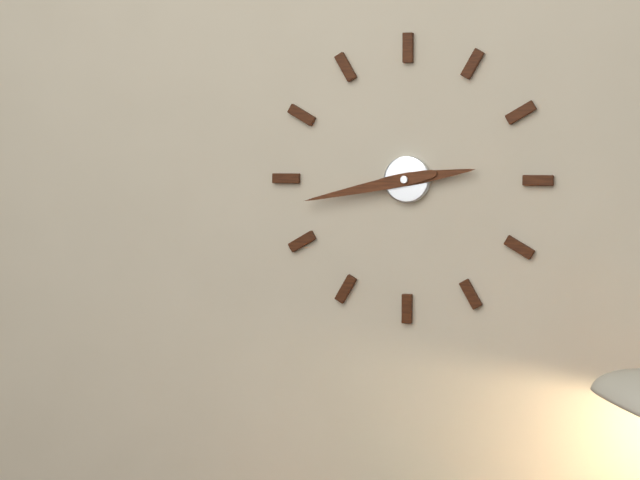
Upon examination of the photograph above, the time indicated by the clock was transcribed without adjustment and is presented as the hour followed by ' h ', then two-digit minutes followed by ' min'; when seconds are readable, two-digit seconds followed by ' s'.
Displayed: 2 h 43 min
